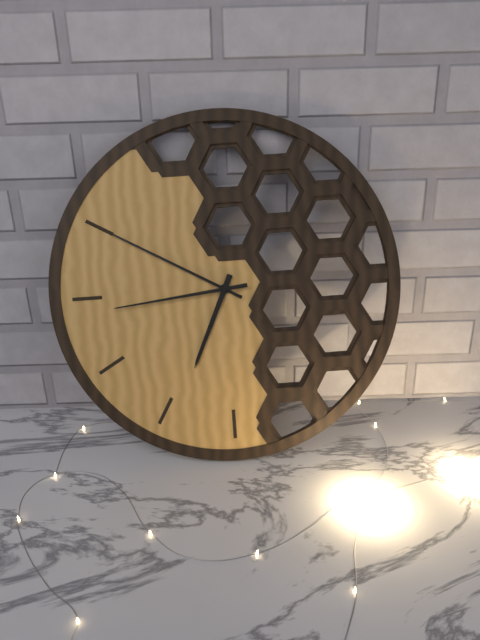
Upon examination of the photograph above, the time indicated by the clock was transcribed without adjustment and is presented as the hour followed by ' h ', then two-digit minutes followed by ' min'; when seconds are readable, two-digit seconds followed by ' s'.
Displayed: 6 h 50 min 44 s
